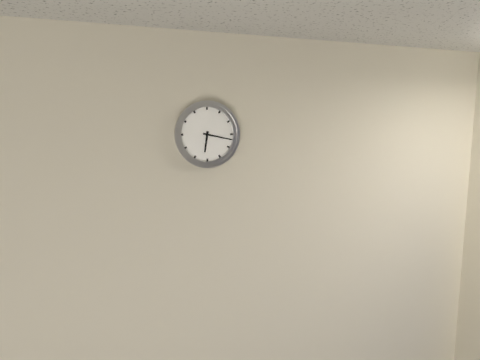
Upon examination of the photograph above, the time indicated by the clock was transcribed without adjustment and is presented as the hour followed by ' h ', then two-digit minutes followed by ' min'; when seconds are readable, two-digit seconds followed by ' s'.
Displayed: 6 h 17 min
